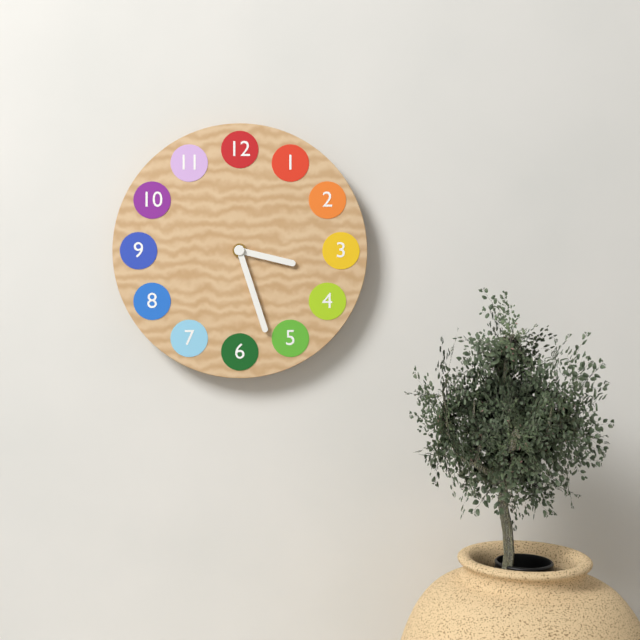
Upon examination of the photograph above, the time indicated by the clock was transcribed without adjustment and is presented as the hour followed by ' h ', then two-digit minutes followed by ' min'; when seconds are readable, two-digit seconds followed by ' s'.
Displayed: 3 h 27 min
